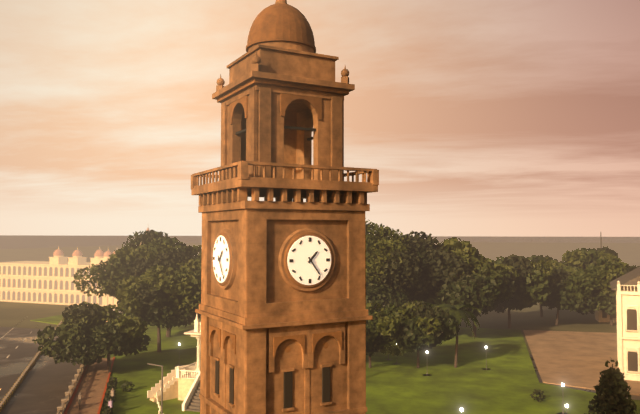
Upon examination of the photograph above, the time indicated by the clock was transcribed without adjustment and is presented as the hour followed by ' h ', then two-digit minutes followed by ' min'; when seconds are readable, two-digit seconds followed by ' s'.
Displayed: 1 h 24 min
